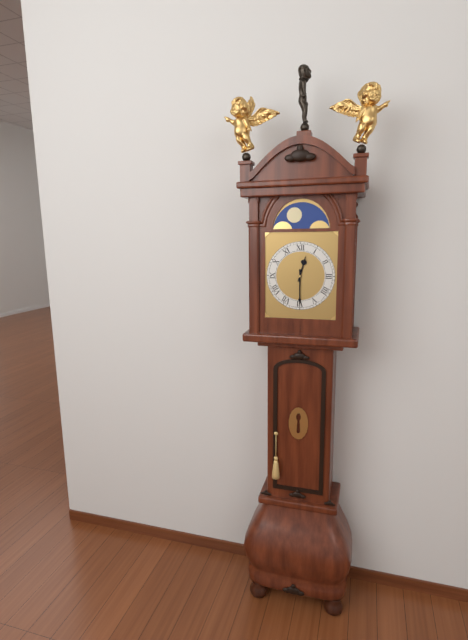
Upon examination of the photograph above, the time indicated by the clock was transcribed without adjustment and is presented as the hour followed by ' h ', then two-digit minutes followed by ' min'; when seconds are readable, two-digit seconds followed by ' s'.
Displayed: 12 h 30 min
